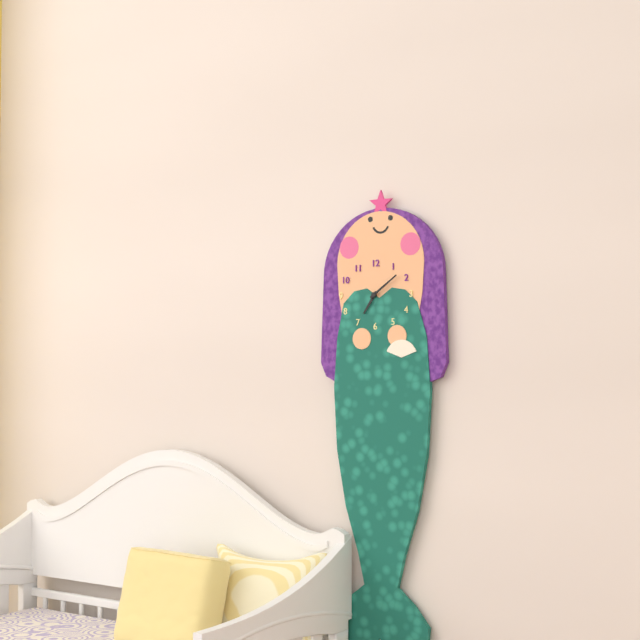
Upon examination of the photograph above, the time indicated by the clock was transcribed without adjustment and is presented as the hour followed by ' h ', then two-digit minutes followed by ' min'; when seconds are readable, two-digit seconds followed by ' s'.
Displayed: 7 h 09 min
